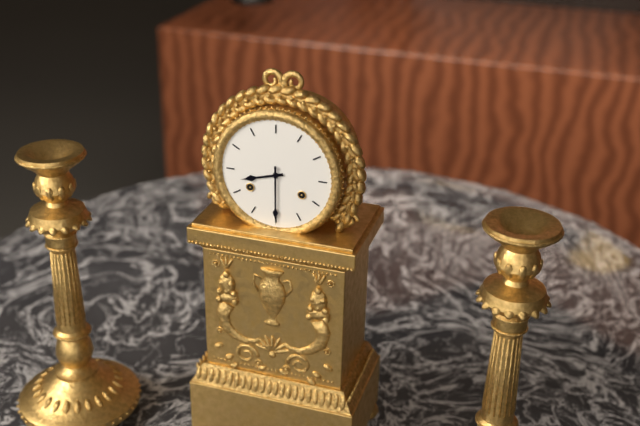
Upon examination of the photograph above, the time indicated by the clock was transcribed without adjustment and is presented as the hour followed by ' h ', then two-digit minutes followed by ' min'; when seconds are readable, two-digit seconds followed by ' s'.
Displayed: 8 h 30 min
